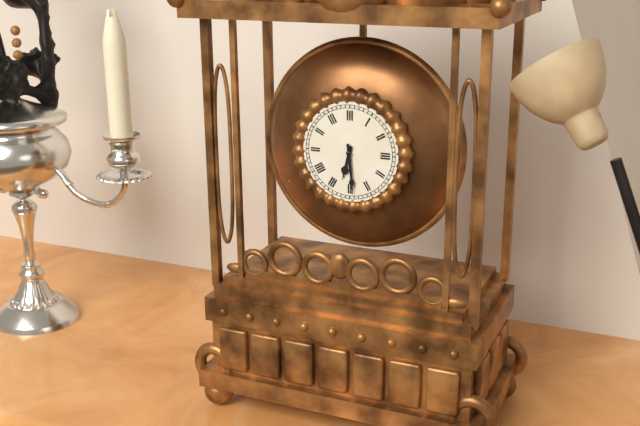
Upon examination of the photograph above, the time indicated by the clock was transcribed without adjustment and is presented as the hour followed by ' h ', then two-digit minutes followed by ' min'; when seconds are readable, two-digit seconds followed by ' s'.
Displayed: 6 h 29 min
